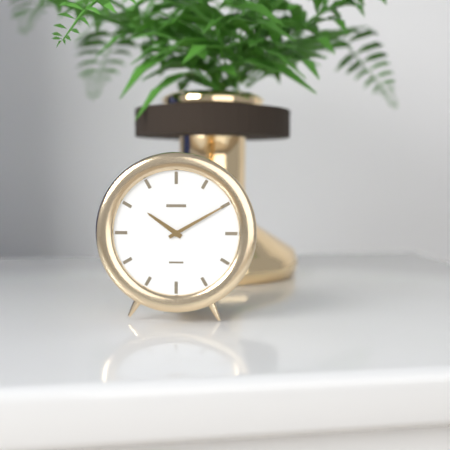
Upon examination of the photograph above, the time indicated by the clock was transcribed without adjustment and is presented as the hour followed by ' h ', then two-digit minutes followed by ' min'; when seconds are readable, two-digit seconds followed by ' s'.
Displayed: 10 h 10 min
